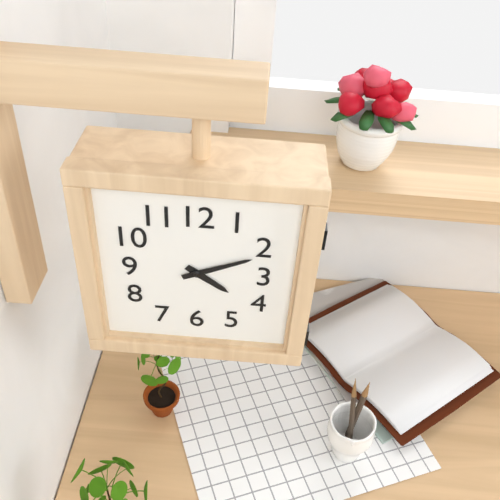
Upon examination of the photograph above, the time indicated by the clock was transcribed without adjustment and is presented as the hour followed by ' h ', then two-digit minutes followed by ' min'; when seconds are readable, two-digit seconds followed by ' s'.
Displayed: 4 h 11 min
